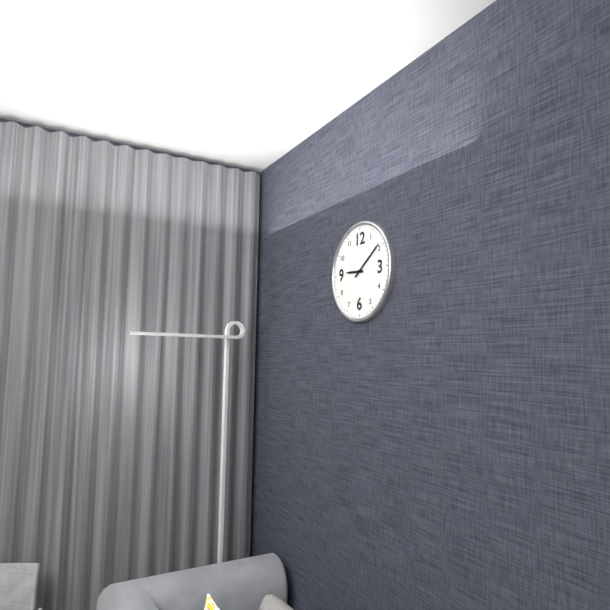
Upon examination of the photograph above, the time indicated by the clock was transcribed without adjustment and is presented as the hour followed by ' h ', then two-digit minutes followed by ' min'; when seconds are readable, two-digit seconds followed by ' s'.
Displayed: 9 h 09 min
